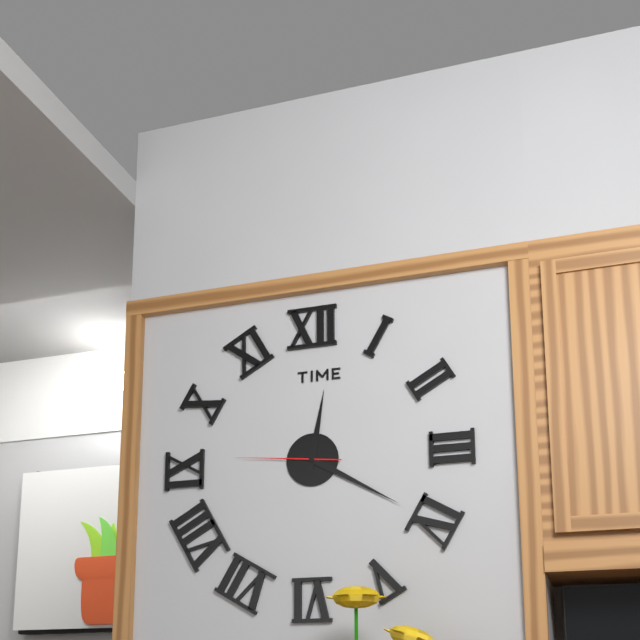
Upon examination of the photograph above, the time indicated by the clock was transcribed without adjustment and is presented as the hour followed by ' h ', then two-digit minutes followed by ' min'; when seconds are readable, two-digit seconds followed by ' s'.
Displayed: 12 h 20 min 46 s
